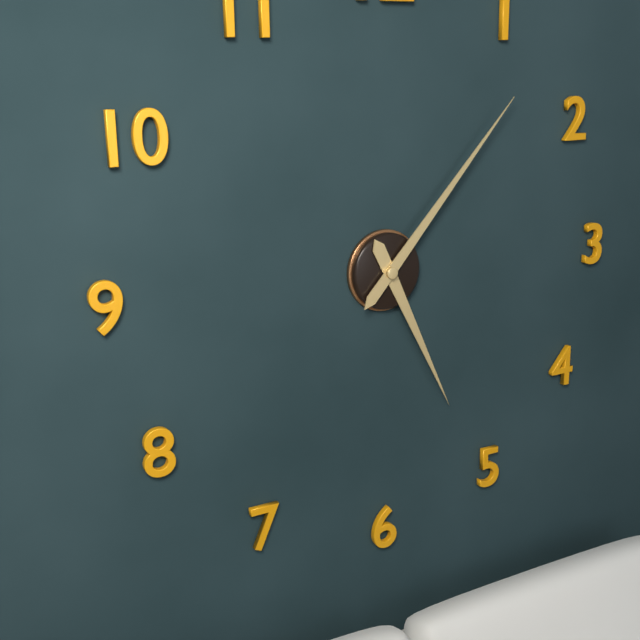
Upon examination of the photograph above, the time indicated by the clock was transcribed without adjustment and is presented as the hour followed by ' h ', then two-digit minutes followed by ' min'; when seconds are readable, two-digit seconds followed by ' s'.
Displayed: 5 h 07 min
